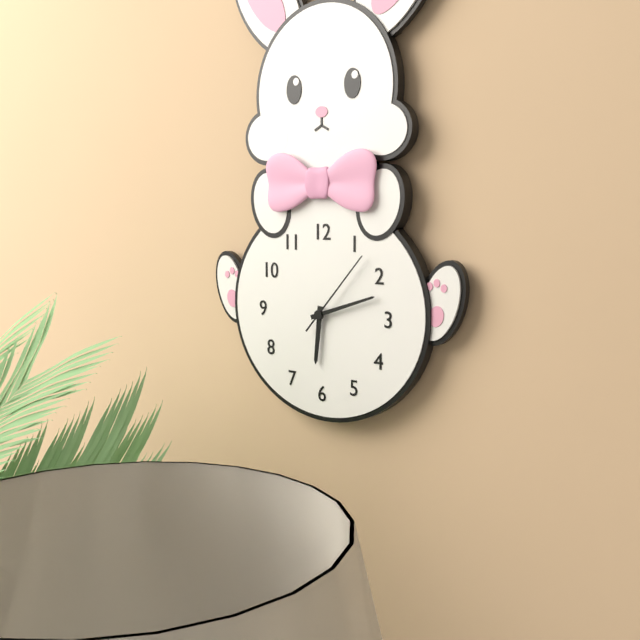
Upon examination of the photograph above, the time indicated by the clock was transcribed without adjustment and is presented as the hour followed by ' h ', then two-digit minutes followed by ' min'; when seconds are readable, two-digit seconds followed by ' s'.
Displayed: 6 h 12 min 07 s
